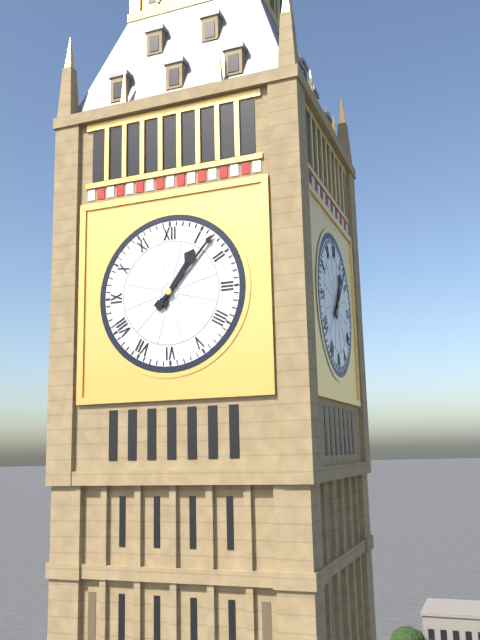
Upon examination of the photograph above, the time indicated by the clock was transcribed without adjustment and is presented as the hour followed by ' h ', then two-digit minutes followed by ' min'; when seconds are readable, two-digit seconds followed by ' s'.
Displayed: 1 h 07 min
